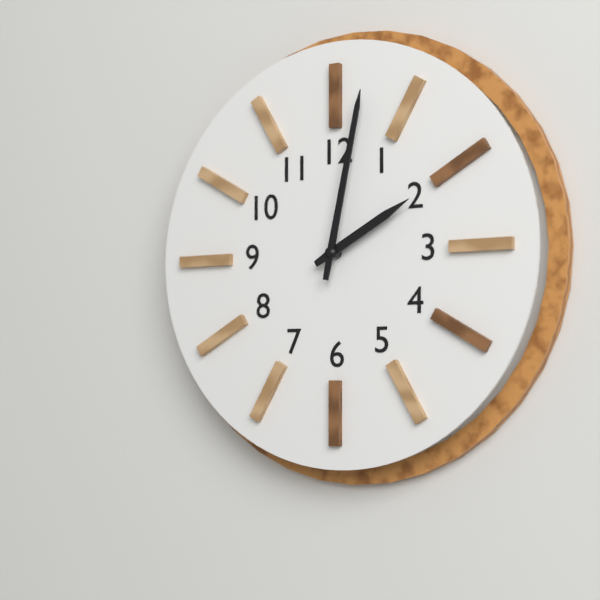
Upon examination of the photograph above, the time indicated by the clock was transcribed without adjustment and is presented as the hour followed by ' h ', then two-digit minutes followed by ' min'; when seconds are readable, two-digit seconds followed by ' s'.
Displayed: 2 h 02 min
